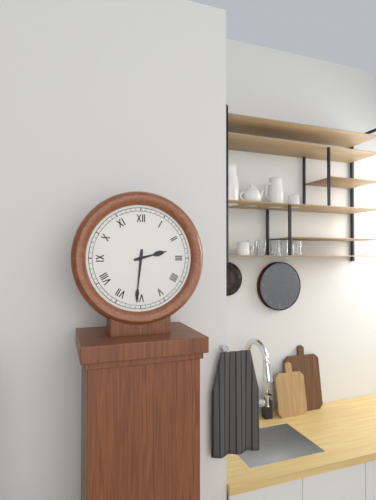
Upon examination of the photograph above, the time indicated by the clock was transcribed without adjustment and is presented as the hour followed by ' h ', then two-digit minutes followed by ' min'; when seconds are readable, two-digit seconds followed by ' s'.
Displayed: 2 h 31 min
